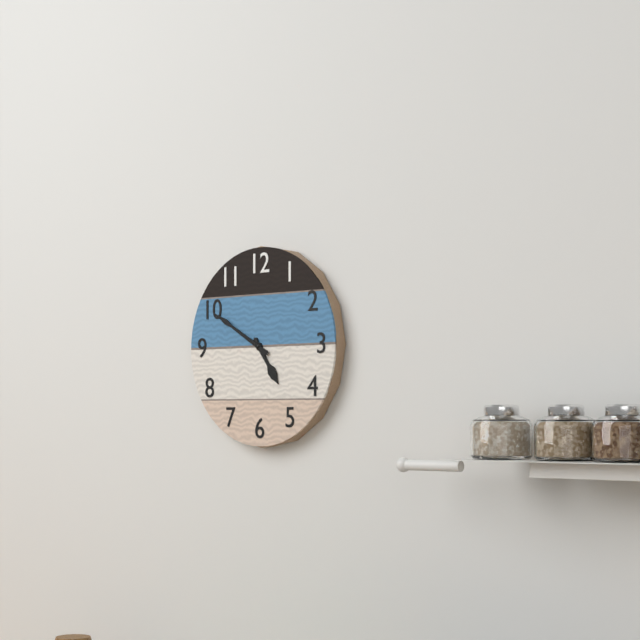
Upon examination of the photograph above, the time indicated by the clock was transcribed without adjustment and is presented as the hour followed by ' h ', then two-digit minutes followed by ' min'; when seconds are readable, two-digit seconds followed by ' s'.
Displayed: 4 h 50 min
